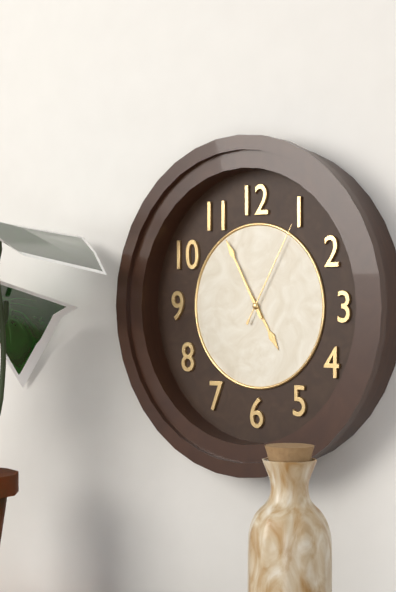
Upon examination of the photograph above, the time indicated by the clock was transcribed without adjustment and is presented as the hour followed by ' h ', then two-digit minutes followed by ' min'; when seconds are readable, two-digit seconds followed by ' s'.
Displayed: 4 h 55 min 05 s
